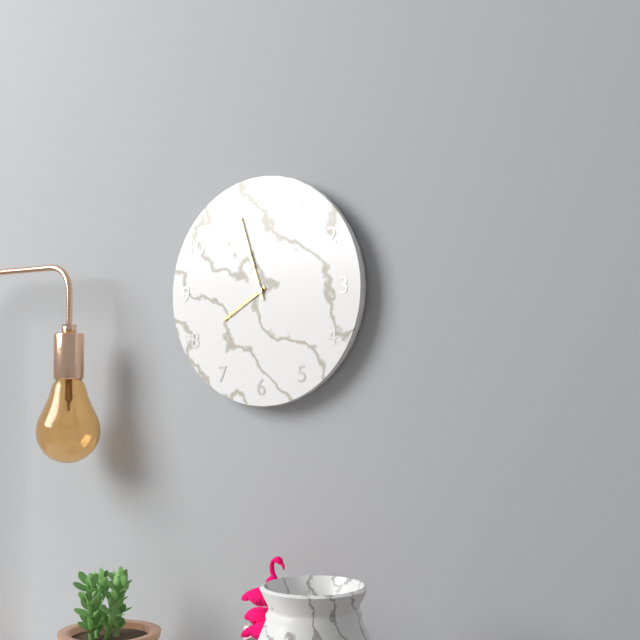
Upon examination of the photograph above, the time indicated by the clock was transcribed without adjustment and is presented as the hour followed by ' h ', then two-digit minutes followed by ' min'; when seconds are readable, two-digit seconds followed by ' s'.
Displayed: 7 h 57 min
